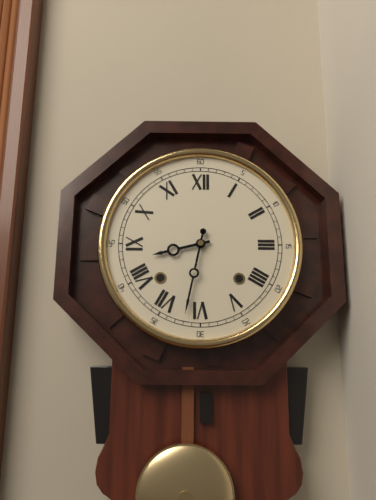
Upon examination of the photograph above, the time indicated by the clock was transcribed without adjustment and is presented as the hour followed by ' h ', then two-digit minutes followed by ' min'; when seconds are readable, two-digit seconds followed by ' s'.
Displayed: 8 h 32 min
